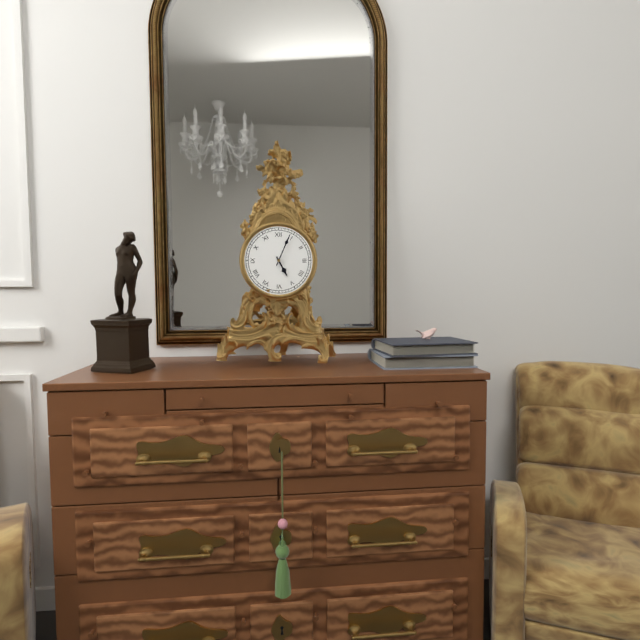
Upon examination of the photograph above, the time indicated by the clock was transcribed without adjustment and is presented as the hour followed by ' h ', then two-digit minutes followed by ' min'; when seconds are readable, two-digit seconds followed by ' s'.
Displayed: 5 h 04 min
